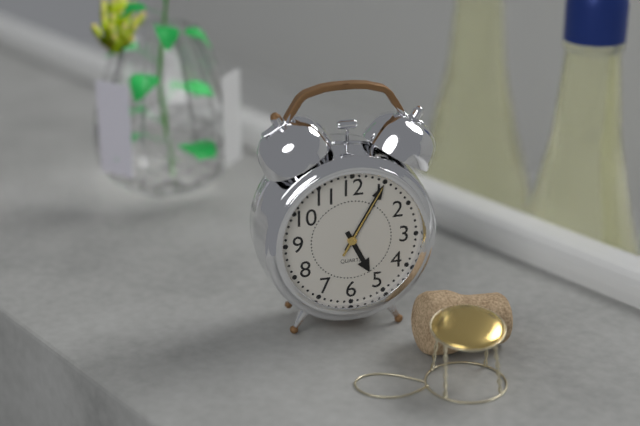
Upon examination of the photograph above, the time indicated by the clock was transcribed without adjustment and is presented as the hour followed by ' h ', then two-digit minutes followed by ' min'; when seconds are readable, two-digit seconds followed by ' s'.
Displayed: 5 h 05 min 05 s
